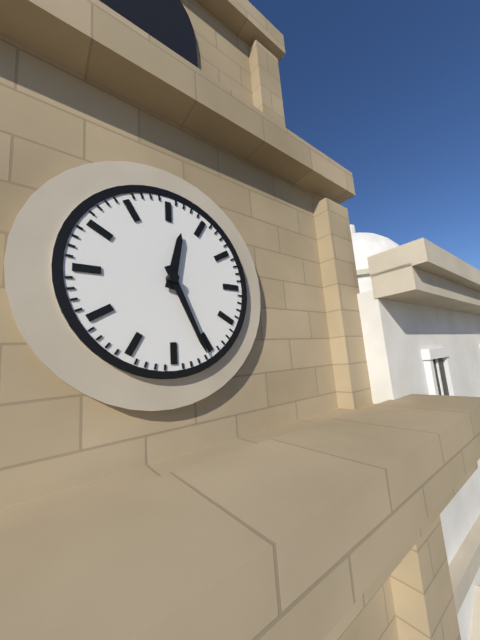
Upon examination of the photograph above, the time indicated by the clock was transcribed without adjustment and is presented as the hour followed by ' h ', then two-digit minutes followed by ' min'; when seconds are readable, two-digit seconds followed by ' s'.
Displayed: 12 h 26 min
